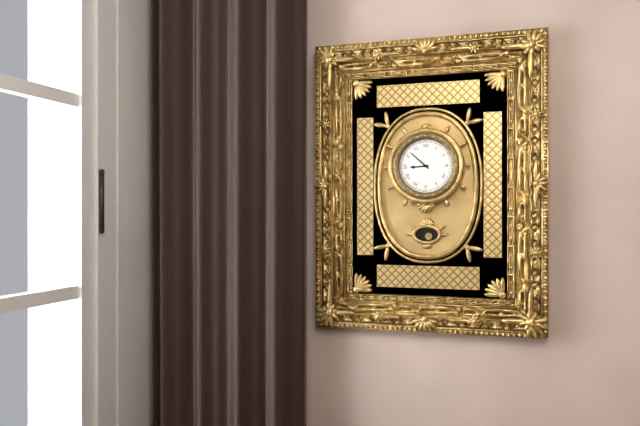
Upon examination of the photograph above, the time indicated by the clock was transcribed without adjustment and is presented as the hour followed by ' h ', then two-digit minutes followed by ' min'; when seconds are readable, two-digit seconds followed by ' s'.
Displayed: 8 h 52 min
